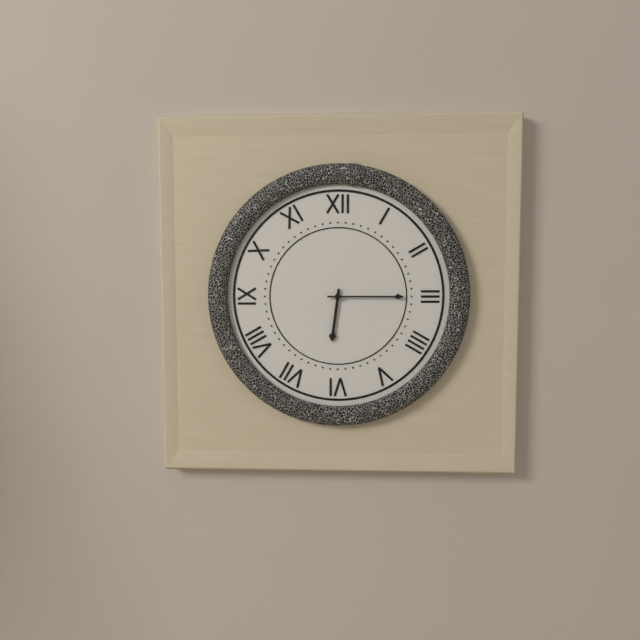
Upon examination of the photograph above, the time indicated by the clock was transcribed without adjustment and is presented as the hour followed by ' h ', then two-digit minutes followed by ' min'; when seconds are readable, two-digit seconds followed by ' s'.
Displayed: 6 h 15 min
